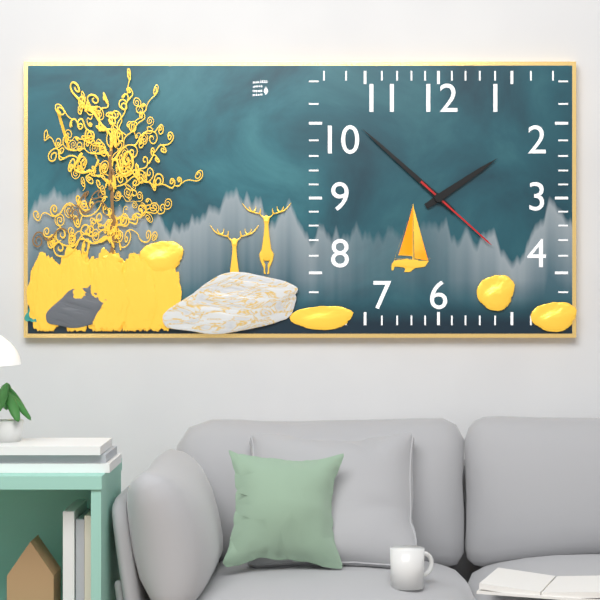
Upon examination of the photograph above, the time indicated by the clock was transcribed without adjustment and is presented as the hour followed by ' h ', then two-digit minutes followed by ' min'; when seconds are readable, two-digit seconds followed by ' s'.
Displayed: 1 h 52 min 22 s
